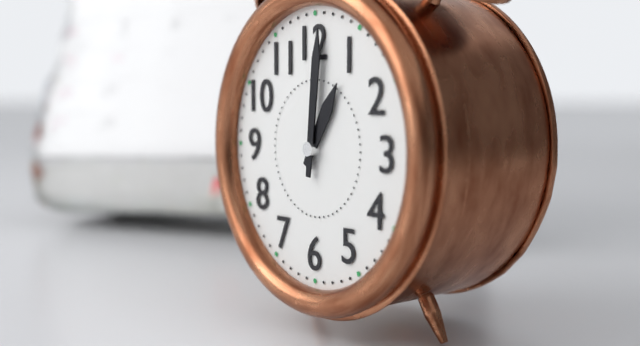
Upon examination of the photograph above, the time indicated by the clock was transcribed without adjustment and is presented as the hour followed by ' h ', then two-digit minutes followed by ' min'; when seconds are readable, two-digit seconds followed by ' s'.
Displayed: 1 h 01 min
